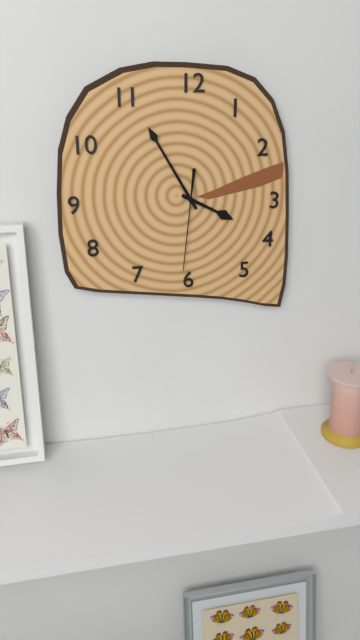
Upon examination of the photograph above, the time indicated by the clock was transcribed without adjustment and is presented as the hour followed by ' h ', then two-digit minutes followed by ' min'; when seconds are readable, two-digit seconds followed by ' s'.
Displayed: 3 h 55 min 31 s
